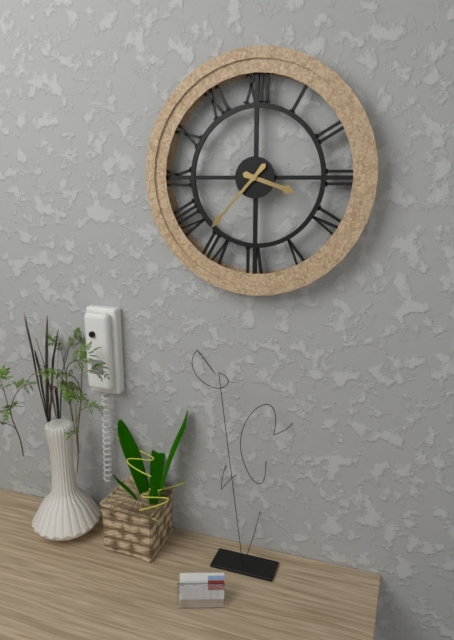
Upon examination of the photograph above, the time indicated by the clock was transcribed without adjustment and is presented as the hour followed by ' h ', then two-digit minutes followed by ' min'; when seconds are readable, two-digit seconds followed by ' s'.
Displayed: 3 h 37 min
